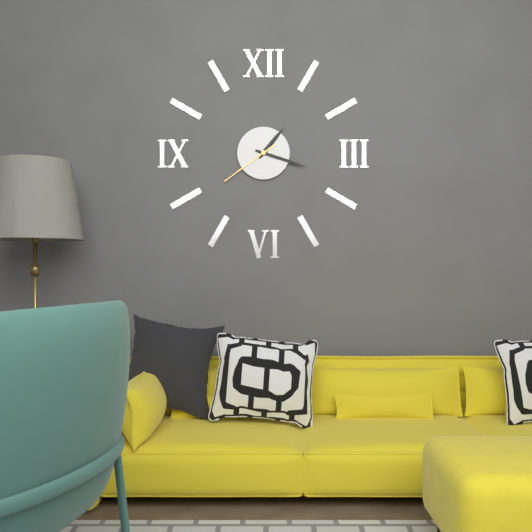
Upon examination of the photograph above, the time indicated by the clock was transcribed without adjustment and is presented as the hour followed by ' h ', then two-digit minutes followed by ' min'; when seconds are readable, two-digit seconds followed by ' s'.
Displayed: 1 h 18 min 39 s
